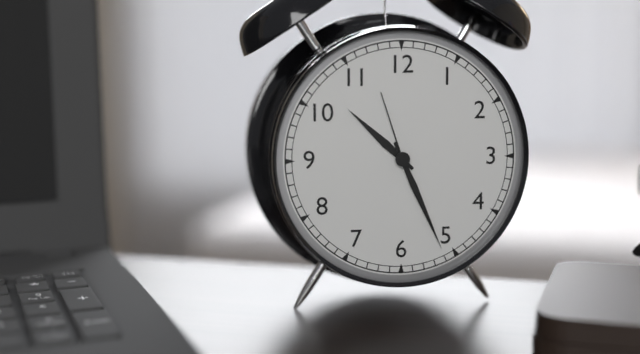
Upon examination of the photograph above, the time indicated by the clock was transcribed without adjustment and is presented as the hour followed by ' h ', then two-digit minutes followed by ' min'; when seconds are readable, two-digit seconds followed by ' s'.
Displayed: 10 h 26 min 57 s
